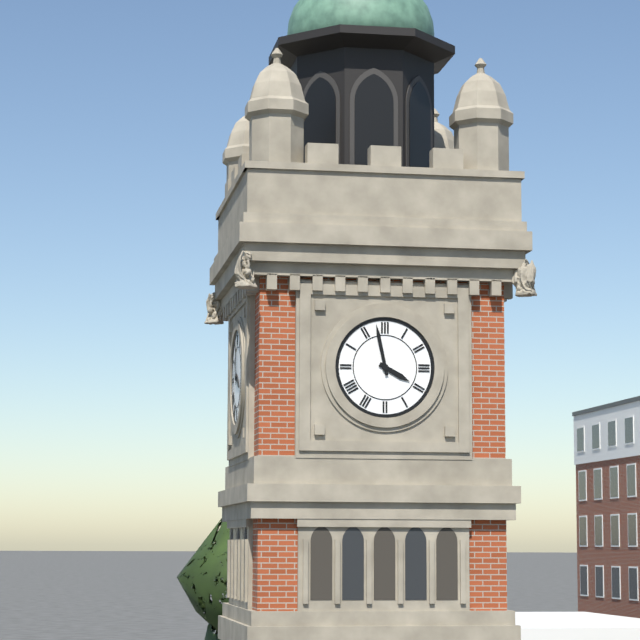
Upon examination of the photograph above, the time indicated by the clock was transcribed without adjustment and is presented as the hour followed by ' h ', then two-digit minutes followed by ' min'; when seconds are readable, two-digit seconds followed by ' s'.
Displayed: 3 h 58 min
